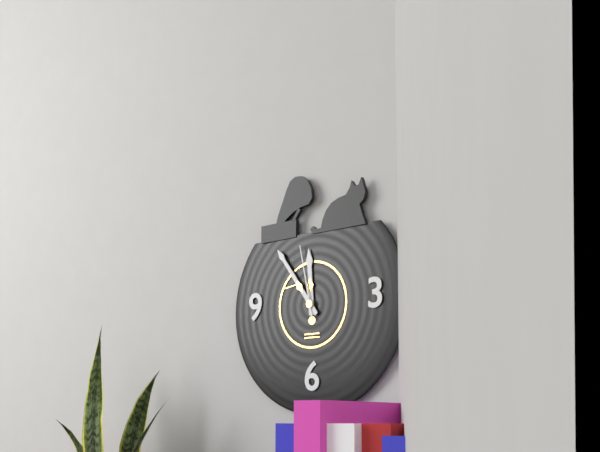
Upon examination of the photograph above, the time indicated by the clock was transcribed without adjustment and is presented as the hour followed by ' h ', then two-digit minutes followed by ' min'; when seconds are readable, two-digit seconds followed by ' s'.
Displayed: 11 h 54 min 58 s
